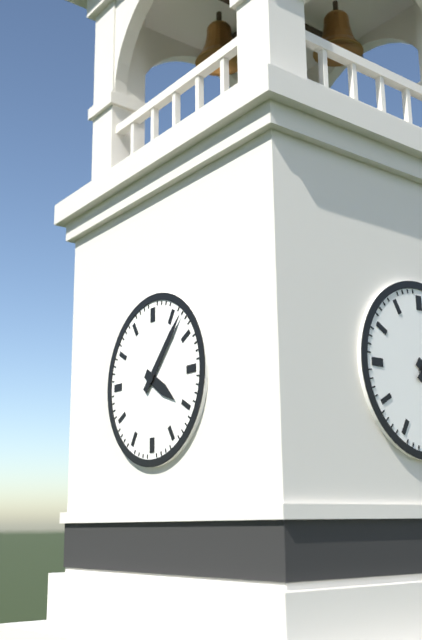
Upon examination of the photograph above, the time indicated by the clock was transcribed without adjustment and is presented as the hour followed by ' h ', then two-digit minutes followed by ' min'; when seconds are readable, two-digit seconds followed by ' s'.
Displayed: 4 h 07 min
